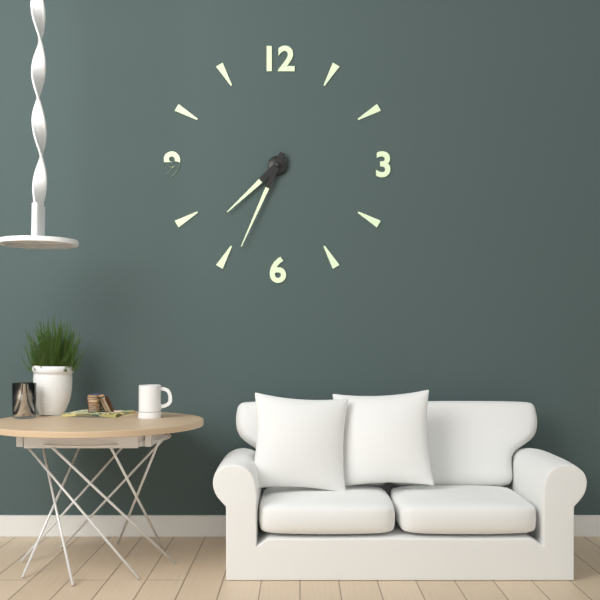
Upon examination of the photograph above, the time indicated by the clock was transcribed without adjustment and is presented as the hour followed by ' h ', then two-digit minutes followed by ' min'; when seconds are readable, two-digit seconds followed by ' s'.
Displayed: 7 h 34 min
